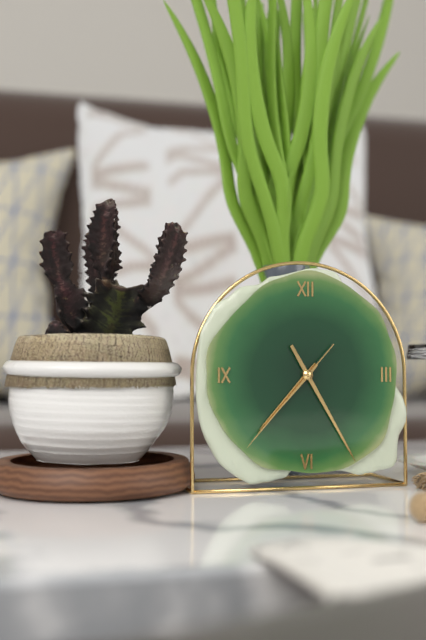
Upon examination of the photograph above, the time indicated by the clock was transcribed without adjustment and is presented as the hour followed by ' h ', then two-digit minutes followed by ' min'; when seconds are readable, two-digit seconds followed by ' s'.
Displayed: 7 h 25 min 37 s
